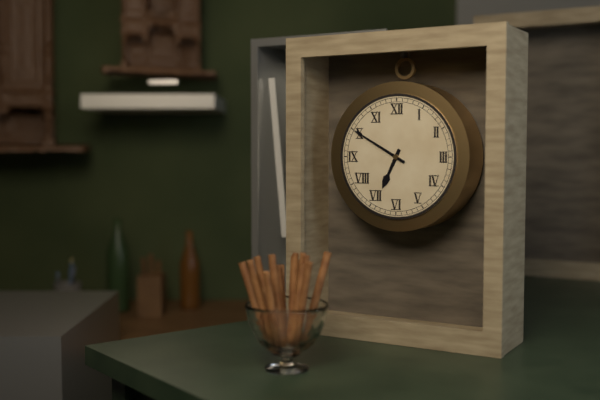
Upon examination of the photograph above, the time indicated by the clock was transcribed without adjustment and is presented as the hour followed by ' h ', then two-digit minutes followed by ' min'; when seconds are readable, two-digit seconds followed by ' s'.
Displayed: 6 h 50 min
